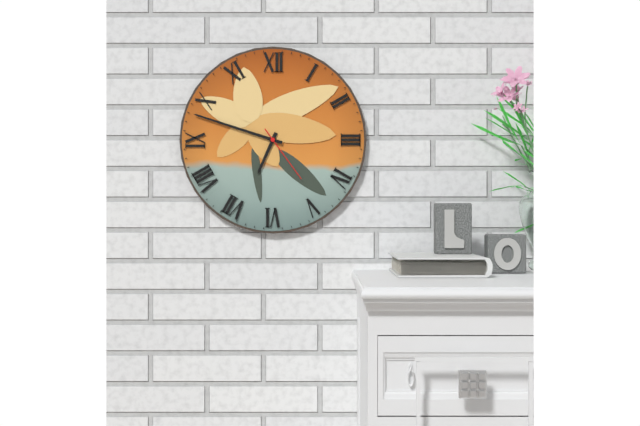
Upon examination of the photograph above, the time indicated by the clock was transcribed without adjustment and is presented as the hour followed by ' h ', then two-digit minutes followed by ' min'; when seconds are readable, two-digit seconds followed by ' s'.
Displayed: 6 h 48 min 24 s
